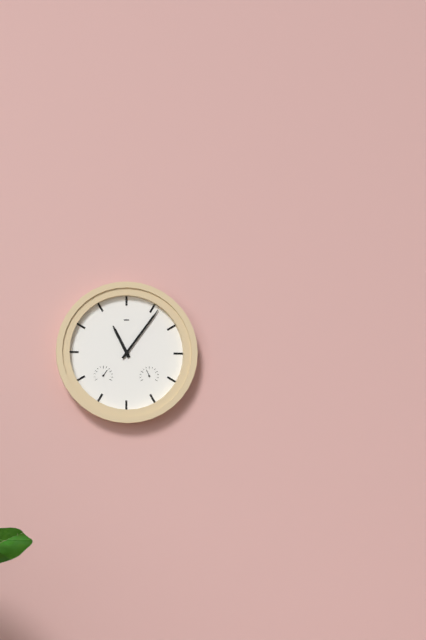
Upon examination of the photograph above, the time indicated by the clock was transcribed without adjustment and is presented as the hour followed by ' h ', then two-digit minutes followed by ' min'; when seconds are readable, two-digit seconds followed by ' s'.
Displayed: 11 h 06 min
